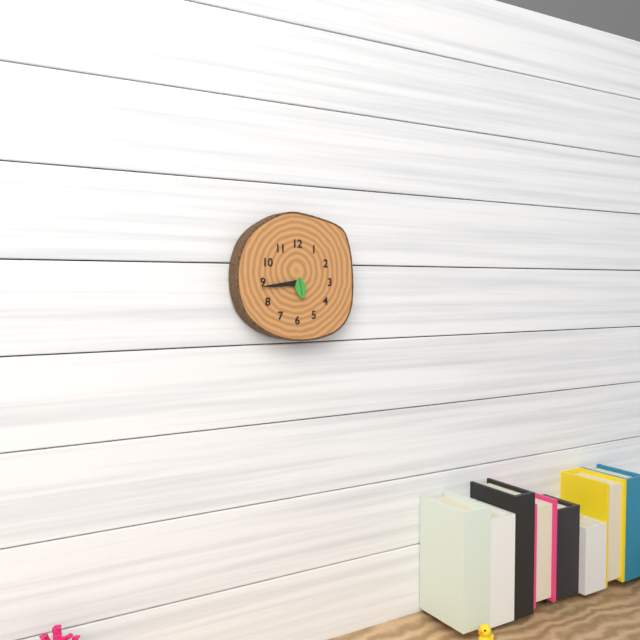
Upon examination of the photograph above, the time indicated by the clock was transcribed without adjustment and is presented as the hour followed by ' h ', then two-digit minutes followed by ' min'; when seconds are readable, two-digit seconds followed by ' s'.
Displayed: 8 h 44 min
